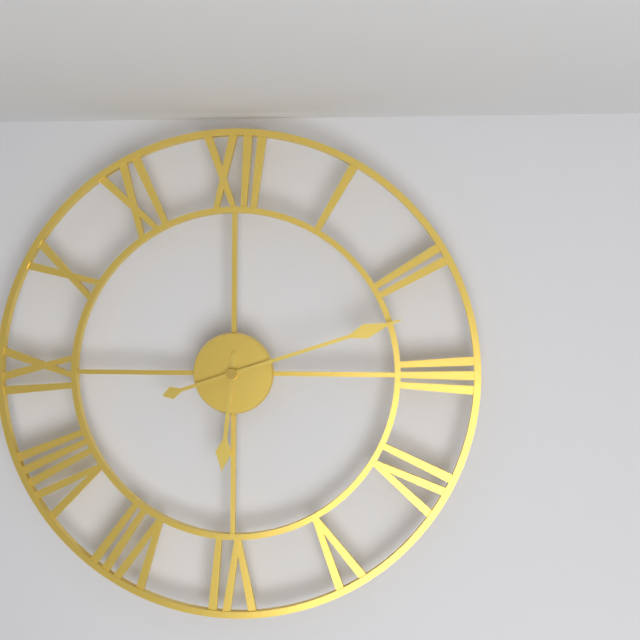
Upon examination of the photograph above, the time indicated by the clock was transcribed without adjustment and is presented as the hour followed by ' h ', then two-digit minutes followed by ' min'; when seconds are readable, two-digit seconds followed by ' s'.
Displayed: 6 h 12 min
